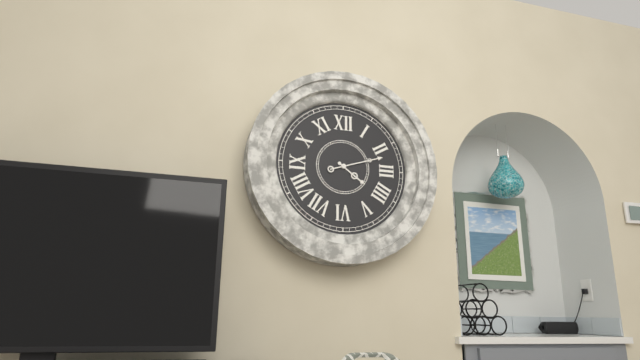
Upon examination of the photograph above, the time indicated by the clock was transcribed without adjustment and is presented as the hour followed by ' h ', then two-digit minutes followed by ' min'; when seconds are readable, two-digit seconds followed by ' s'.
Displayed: 4 h 12 min
